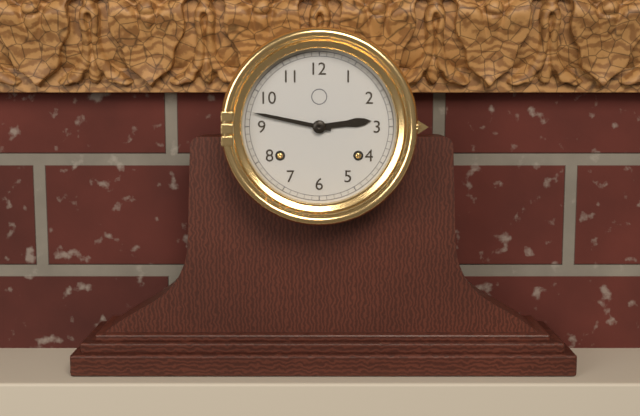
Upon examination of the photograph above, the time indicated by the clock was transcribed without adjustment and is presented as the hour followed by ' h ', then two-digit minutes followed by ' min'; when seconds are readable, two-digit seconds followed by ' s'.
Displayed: 2 h 47 min
